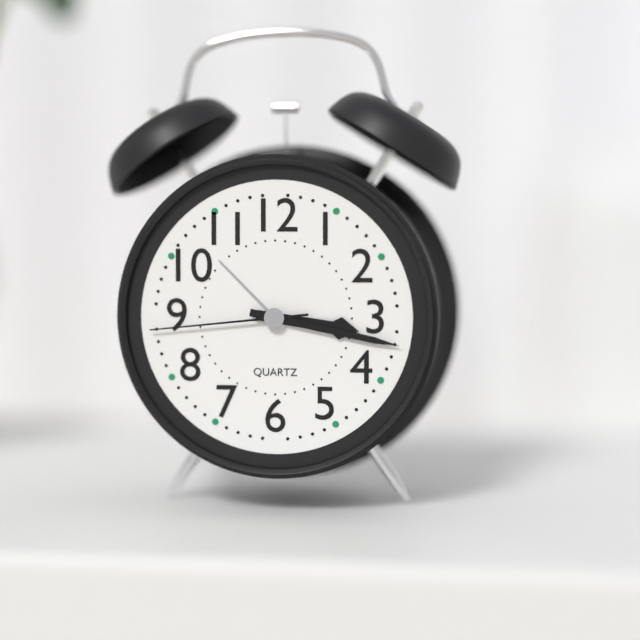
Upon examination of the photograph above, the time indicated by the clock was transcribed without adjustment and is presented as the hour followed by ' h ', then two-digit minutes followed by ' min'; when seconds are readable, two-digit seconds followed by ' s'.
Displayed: 3 h 17 min 44 s
